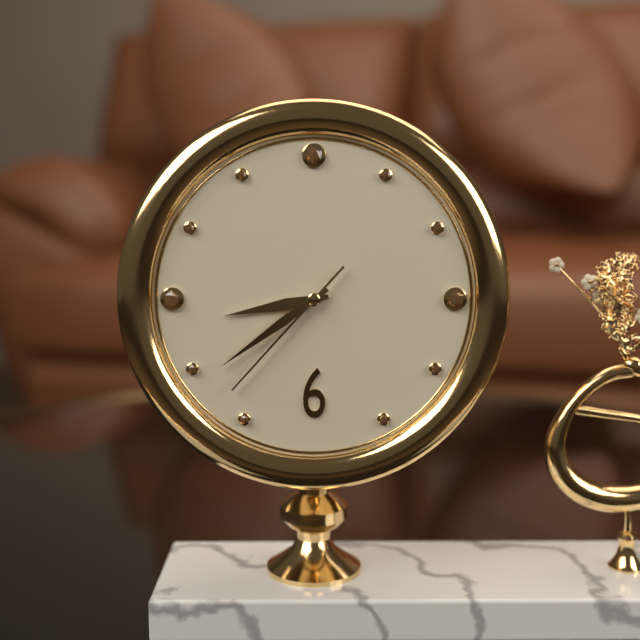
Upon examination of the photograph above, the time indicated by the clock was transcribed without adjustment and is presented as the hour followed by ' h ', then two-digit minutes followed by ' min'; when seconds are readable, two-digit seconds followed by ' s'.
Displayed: 8 h 39 min 37 s
